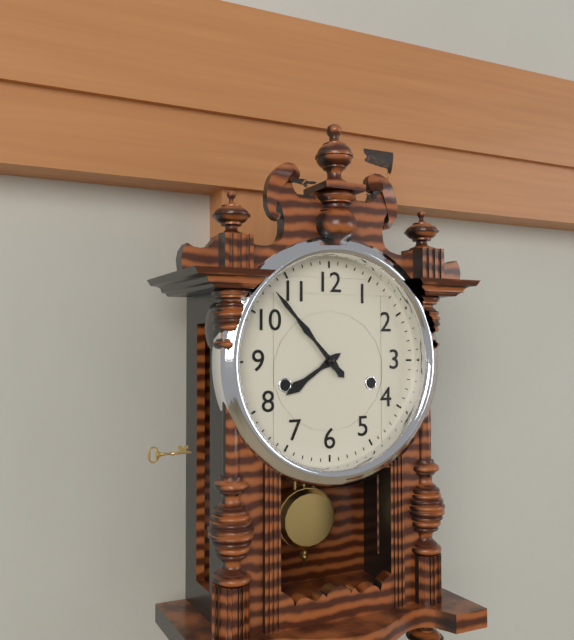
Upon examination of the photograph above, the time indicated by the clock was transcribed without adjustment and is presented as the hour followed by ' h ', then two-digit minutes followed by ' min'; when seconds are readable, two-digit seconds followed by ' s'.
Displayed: 7 h 53 min
